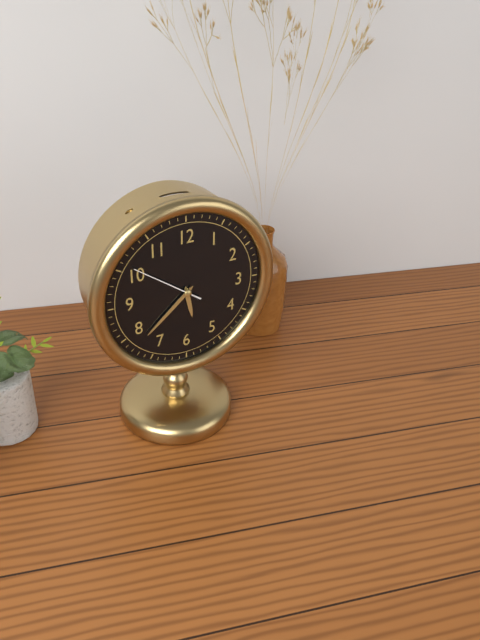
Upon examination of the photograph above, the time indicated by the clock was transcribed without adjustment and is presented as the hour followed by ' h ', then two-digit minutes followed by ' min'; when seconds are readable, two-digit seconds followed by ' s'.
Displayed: 5 h 38 min 51 s
